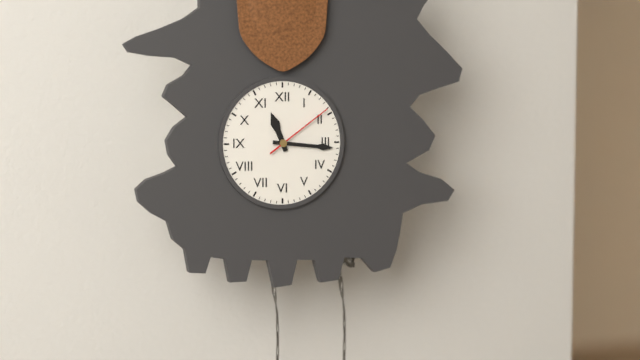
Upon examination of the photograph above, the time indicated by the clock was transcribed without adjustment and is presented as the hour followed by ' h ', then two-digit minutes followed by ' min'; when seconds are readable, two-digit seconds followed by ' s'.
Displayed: 11 h 16 min 09 s
